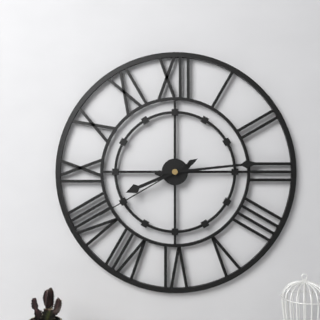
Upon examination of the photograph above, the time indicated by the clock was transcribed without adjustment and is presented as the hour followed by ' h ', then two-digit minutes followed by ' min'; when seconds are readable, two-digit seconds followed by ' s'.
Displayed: 8 h 14 min 40 s
